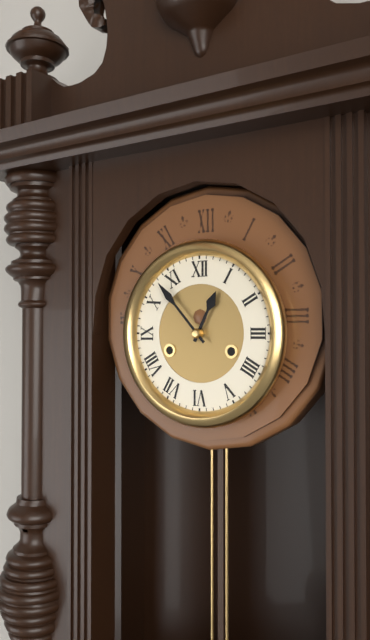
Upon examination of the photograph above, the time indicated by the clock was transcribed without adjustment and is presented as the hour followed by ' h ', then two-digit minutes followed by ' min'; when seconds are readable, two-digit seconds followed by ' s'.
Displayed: 12 h 53 min
